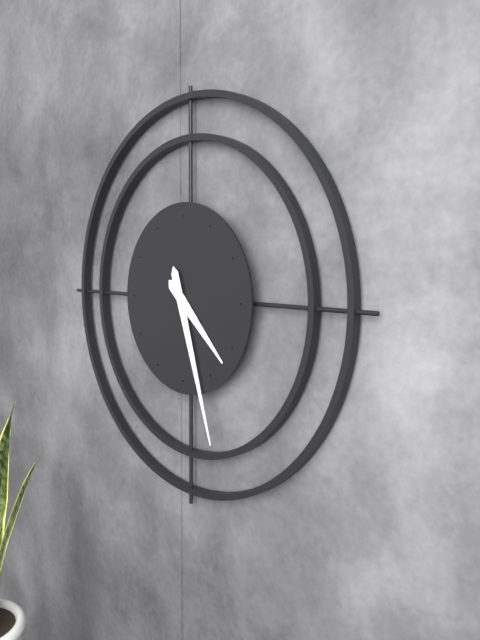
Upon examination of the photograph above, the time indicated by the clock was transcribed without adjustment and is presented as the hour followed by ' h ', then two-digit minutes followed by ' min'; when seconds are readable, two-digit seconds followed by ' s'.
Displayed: 4 h 27 min
